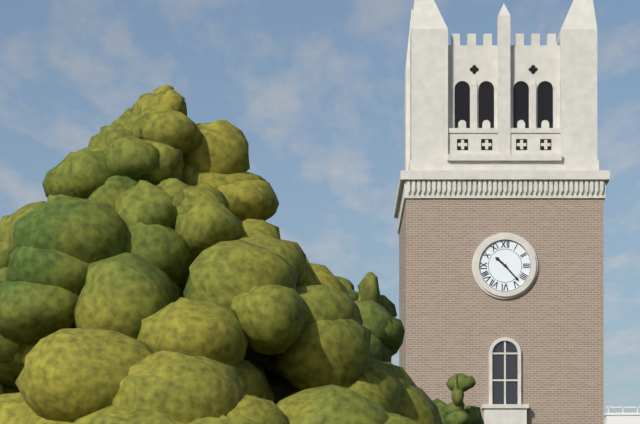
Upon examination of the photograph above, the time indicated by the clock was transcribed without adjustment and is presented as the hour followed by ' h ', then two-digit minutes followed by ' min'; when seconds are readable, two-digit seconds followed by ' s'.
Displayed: 10 h 23 min
